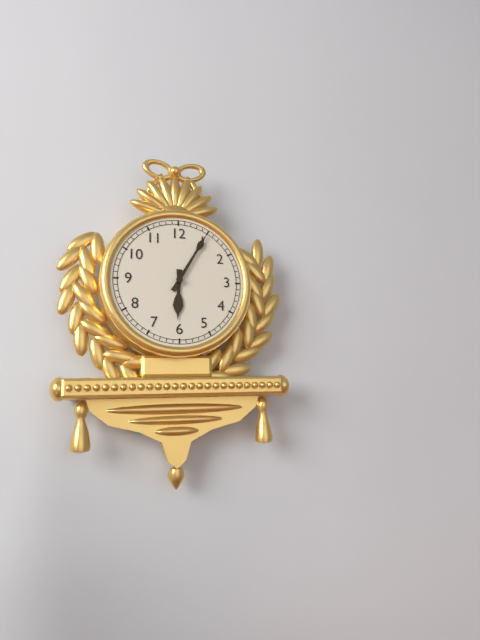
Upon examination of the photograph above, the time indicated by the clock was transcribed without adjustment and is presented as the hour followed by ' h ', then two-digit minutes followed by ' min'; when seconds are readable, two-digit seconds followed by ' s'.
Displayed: 6 h 05 min
